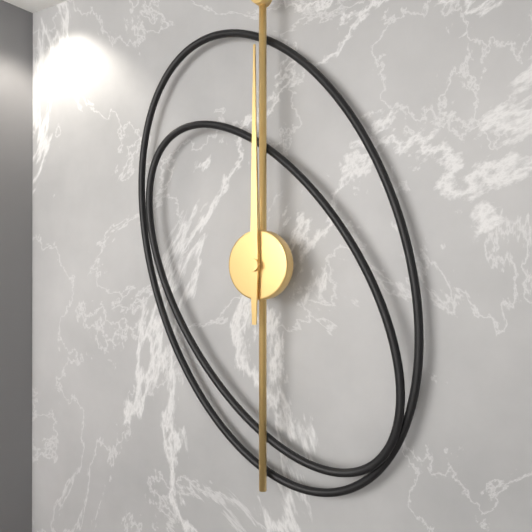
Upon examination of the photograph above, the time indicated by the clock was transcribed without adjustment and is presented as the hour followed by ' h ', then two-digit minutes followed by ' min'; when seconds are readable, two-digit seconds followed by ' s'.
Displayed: 12 h 00 min
